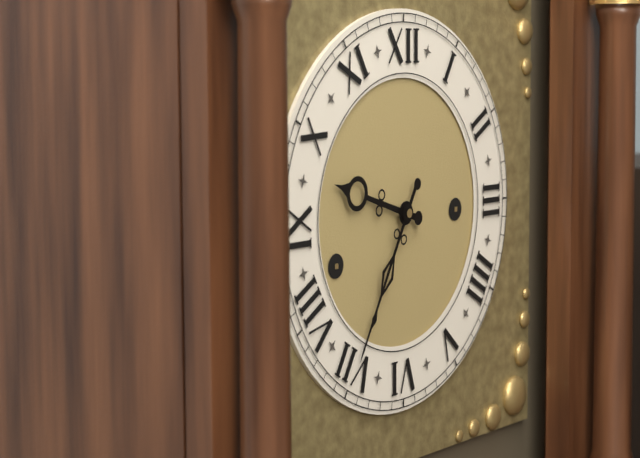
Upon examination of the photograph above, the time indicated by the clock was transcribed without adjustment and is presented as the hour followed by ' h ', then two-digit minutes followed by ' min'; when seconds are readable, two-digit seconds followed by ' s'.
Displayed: 9 h 35 min
